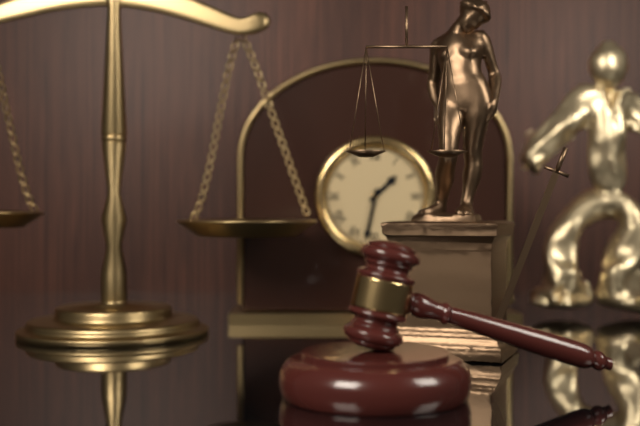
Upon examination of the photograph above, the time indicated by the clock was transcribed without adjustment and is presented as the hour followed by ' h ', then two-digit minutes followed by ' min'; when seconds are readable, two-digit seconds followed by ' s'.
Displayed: 1 h 32 min
